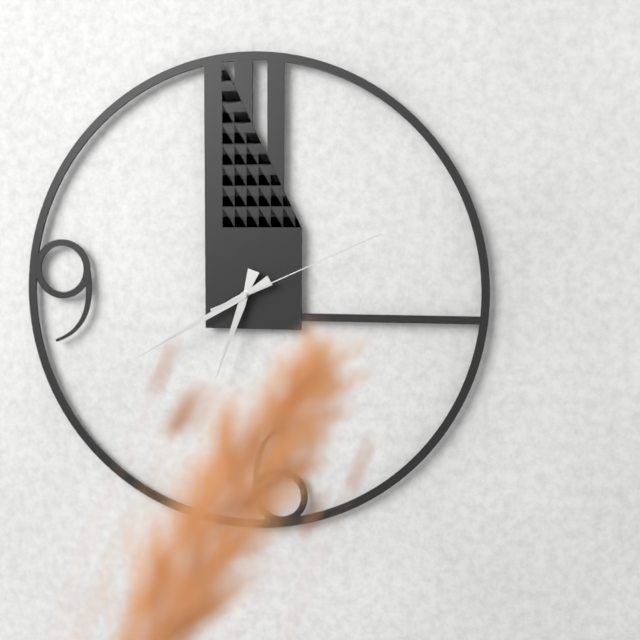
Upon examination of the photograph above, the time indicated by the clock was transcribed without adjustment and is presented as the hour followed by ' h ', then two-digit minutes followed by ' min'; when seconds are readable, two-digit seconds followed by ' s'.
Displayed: 6 h 40 min 11 s
